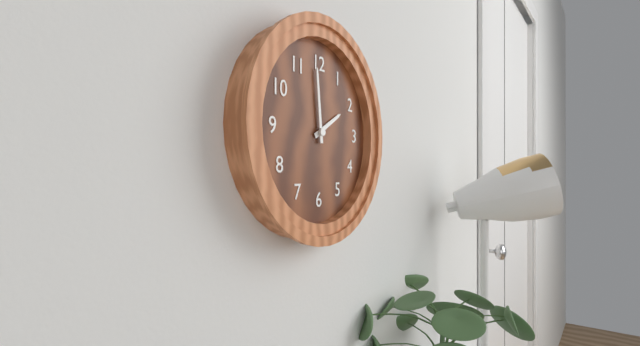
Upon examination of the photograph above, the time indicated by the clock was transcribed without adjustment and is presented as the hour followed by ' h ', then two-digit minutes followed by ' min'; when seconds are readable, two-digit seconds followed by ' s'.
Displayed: 1 h 59 min
